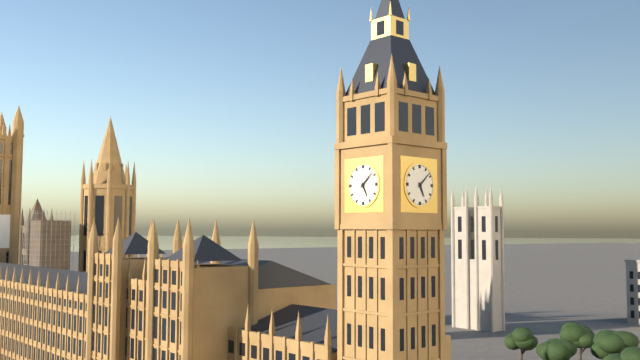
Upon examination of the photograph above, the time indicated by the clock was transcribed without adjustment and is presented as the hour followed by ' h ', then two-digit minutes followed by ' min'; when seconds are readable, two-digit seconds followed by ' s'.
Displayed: 5 h 08 min
